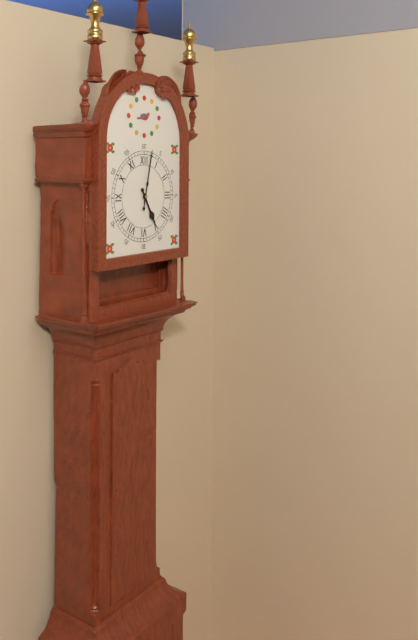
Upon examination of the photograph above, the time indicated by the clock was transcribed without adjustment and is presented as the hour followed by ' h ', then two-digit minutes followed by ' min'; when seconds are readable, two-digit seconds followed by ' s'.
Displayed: 5 h 02 min
